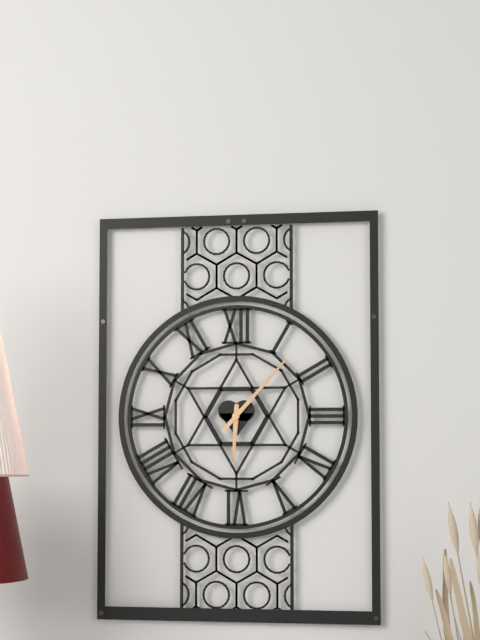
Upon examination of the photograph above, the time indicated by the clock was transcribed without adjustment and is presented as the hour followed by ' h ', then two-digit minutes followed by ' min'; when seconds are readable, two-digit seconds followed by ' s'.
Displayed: 6 h 07 min
